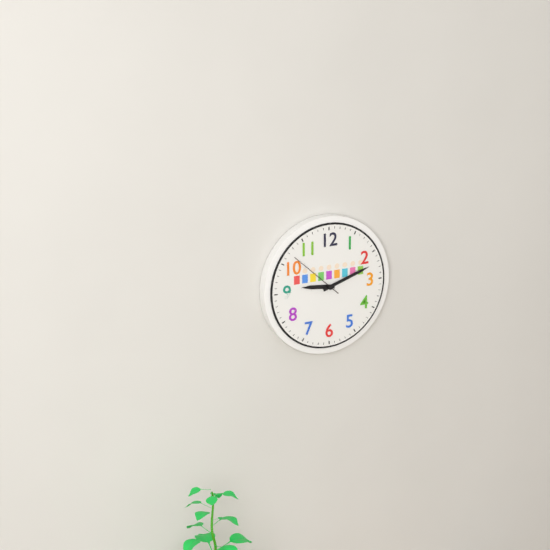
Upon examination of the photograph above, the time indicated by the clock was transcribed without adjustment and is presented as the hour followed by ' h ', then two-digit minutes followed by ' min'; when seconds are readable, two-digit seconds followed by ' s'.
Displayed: 9 h 12 min 52 s
